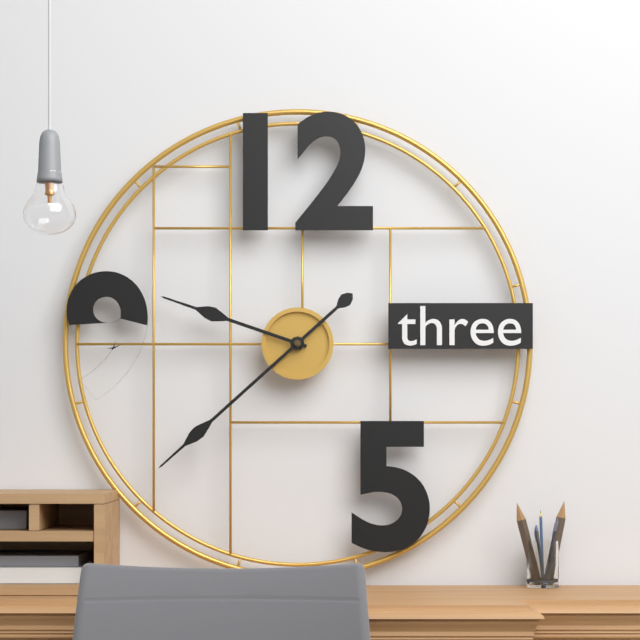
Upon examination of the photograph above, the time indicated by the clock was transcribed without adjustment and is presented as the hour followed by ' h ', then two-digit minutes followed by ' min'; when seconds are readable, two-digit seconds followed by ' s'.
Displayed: 9 h 38 min
